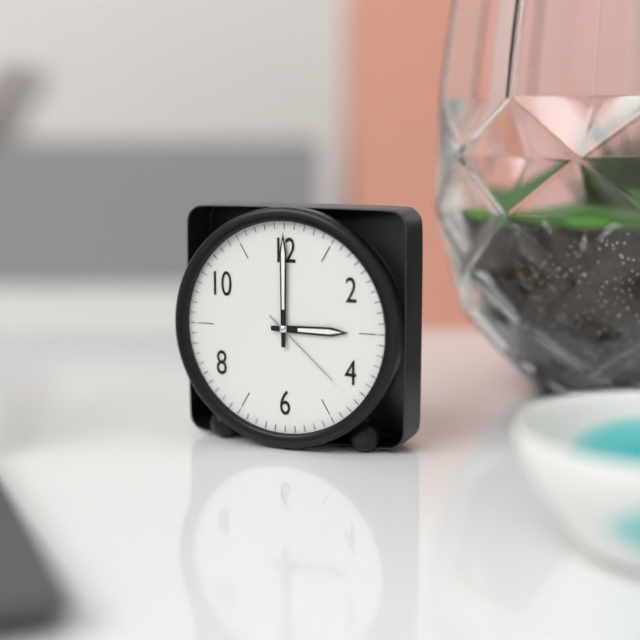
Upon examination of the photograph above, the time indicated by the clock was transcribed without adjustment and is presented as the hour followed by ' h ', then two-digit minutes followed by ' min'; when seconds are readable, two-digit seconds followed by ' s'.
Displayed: 3 h 00 min 22 s
